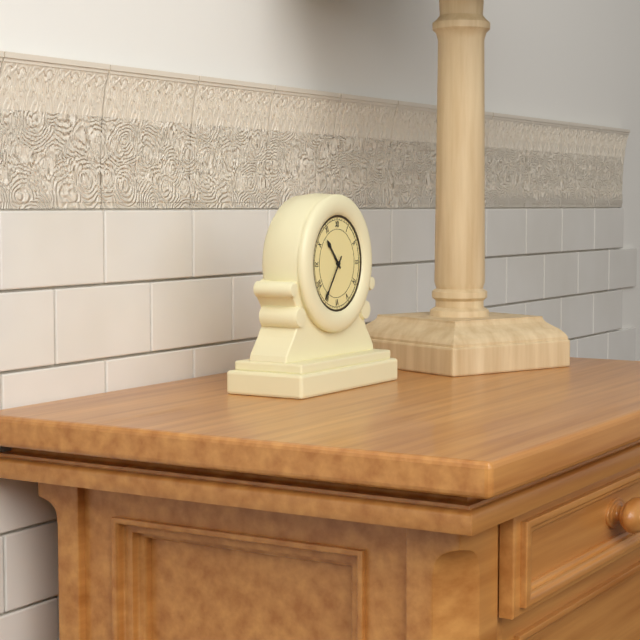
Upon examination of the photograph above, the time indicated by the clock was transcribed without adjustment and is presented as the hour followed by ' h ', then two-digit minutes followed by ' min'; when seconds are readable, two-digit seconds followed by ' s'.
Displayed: 10 h 36 min
